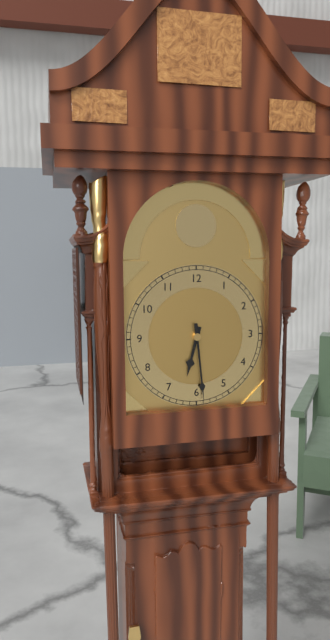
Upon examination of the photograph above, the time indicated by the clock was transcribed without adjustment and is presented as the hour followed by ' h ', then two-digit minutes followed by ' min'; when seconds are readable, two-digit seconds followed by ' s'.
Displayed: 6 h 29 min
